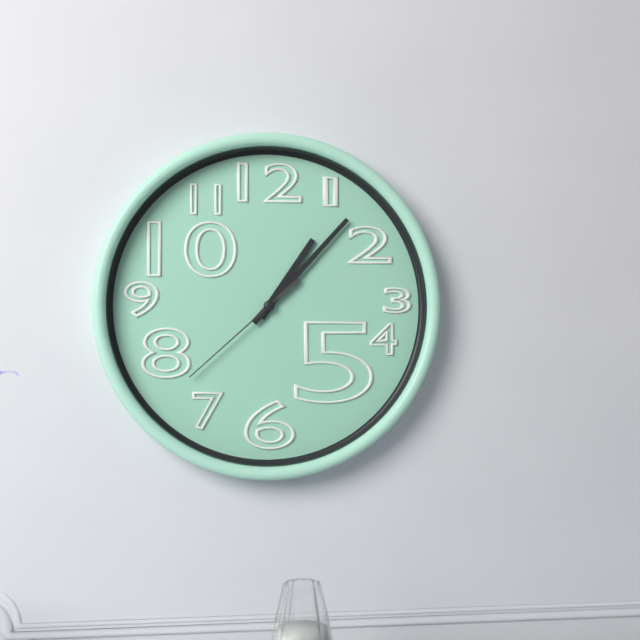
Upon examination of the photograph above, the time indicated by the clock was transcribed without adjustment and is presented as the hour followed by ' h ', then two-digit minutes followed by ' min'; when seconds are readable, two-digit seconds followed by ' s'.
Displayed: 1 h 07 min 38 s
